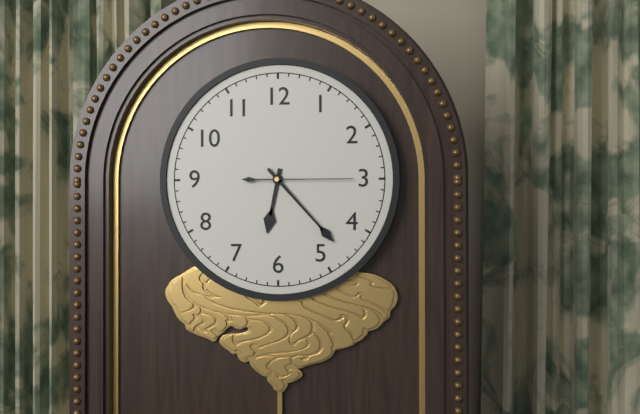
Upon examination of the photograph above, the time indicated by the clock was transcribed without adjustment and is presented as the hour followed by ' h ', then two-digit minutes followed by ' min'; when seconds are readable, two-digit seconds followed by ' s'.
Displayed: 6 h 23 min 15 s
